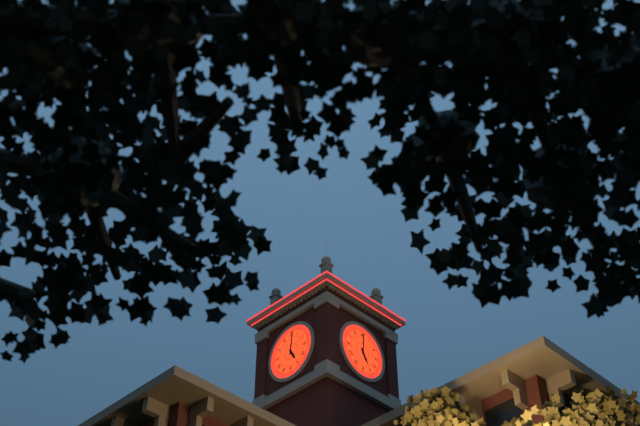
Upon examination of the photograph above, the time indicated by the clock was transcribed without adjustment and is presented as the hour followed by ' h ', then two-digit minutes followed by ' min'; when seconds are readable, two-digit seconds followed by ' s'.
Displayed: 5 h 01 min
